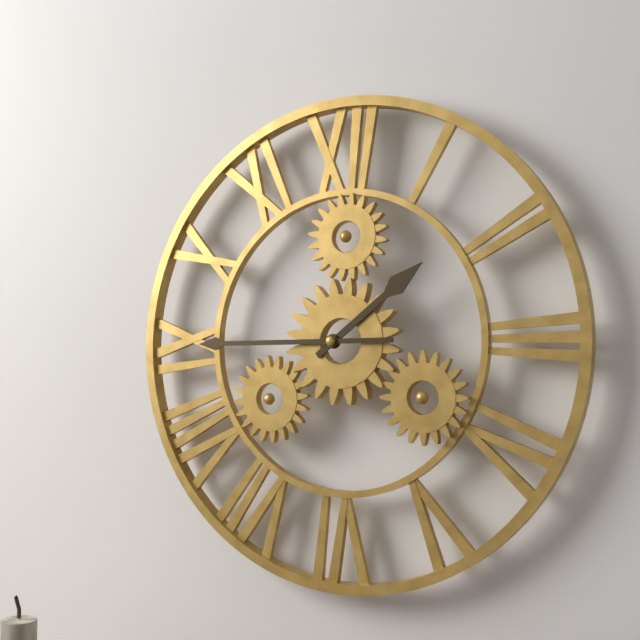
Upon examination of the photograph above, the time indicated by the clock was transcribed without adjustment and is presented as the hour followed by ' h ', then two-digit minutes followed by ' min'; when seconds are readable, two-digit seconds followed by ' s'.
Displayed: 1 h 45 min
